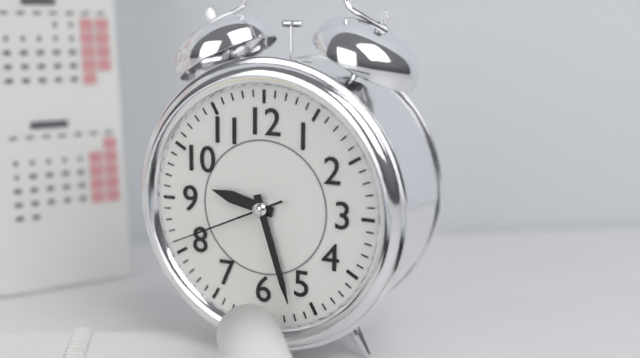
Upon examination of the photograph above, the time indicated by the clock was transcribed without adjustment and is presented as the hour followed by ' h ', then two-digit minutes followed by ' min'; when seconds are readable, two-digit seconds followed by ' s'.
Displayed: 9 h 27 min 41 s
